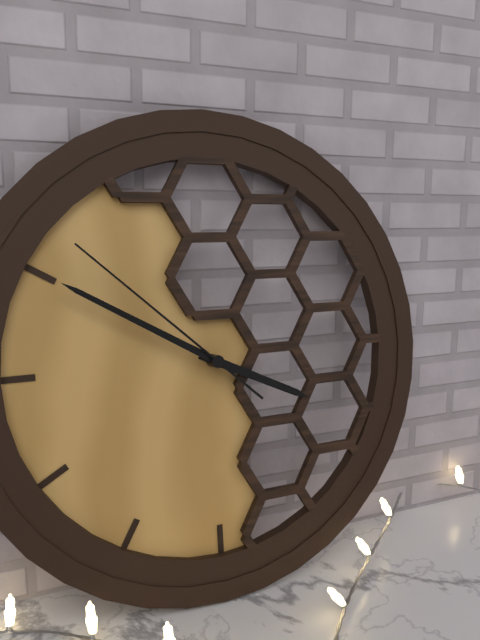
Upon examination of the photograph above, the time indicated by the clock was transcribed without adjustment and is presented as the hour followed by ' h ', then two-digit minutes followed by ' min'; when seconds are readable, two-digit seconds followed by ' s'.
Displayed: 3 h 50 min 52 s
